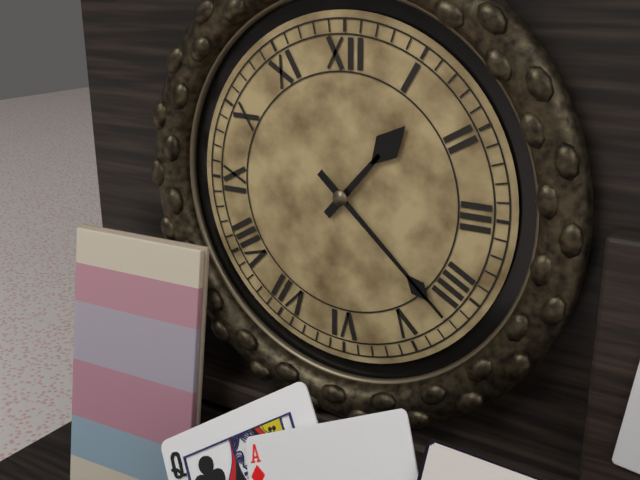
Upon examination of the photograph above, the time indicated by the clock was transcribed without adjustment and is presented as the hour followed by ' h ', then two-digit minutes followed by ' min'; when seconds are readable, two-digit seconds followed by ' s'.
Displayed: 1 h 22 min
